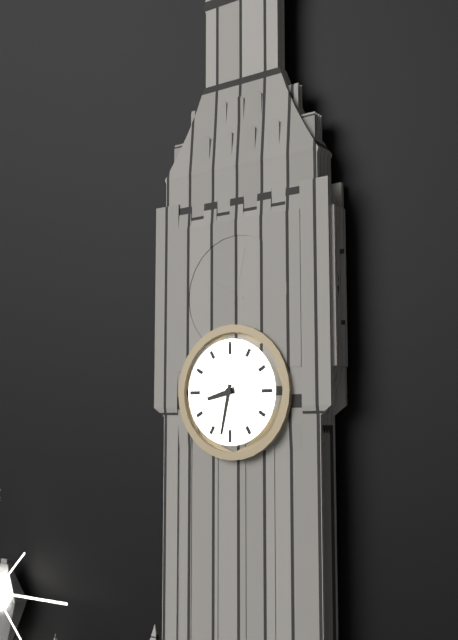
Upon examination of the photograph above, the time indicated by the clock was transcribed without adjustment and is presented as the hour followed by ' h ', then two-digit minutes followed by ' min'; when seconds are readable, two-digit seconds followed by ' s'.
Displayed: 8 h 32 min
